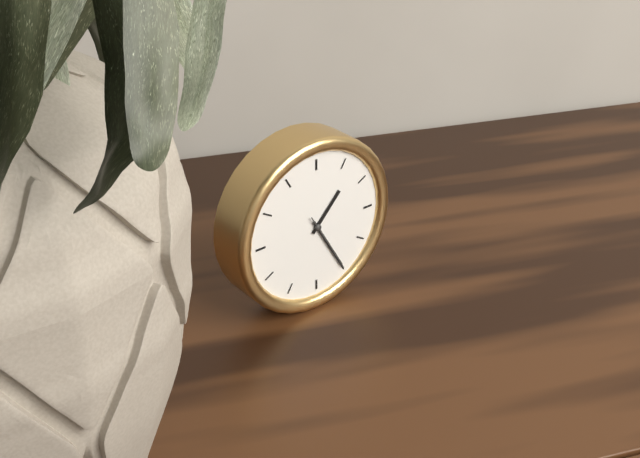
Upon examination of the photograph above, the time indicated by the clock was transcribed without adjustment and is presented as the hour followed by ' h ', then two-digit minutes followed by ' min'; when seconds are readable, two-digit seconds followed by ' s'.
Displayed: 1 h 25 min 25 s
